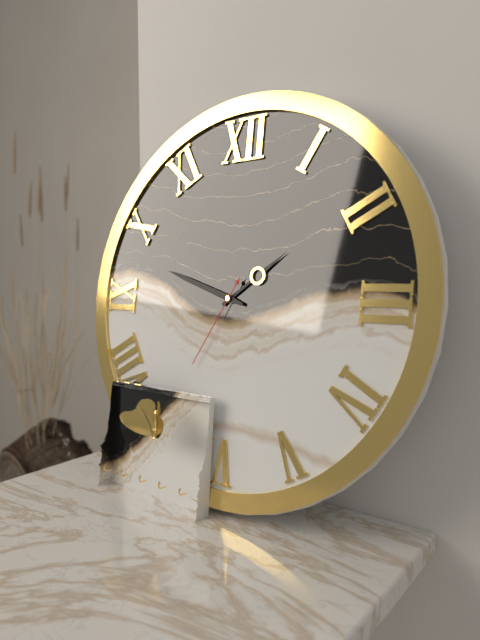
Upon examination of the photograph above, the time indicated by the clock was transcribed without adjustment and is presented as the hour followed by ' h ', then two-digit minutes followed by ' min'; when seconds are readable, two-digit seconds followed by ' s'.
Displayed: 1 h 48 min 35 s
